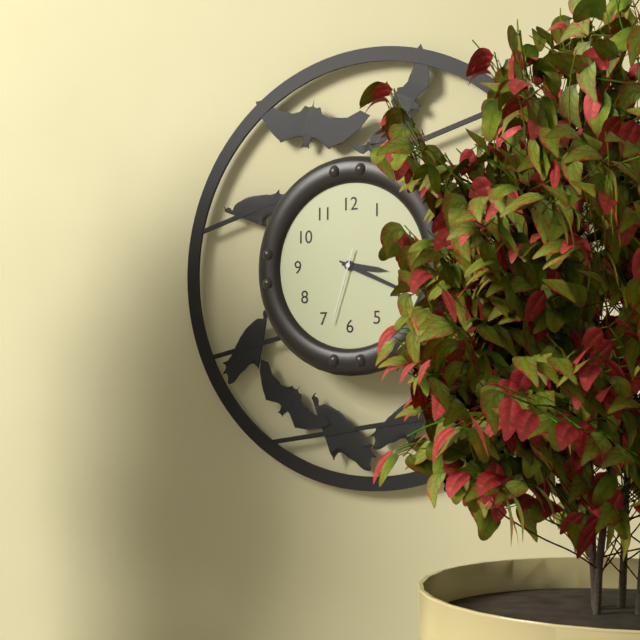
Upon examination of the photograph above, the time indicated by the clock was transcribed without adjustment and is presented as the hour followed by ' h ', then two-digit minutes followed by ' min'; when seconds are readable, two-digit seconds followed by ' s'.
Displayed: 3 h 19 min 33 s
